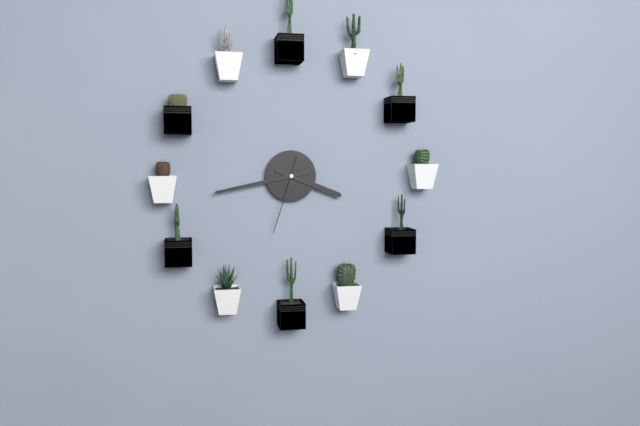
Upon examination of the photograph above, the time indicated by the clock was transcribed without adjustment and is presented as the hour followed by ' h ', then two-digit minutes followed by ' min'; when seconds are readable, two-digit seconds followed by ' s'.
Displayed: 3 h 43 min 33 s
